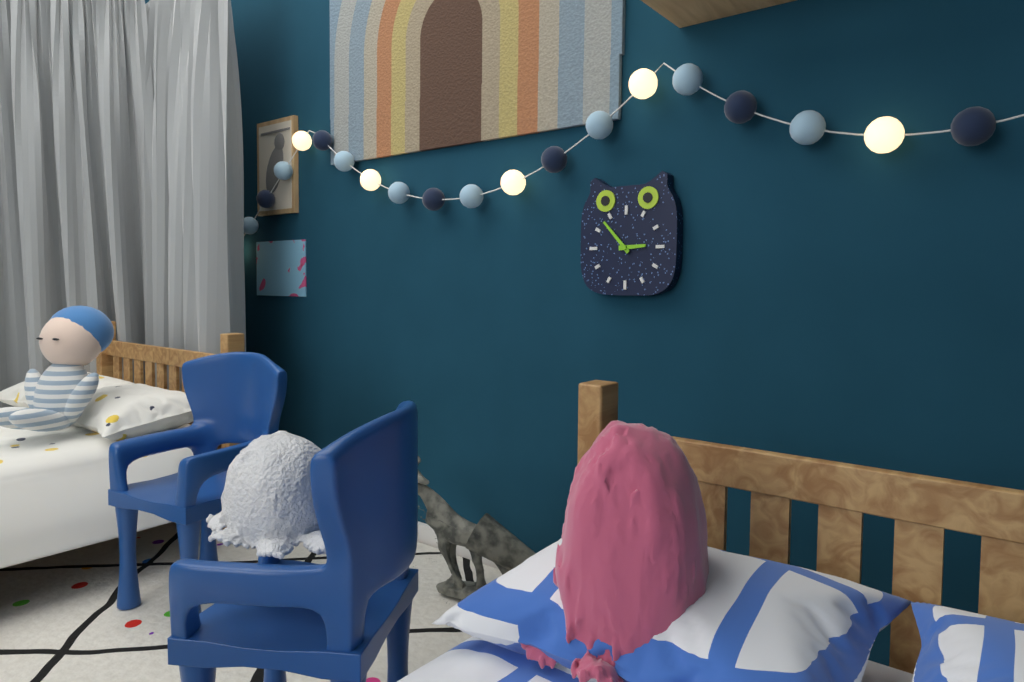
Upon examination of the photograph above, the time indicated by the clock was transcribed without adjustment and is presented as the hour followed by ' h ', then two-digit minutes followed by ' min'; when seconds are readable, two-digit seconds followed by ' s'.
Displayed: 2 h 53 min
